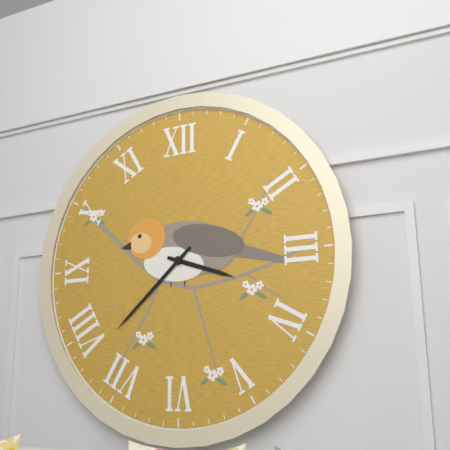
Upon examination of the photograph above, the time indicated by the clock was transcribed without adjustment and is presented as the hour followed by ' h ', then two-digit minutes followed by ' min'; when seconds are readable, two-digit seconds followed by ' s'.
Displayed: 3 h 38 min
